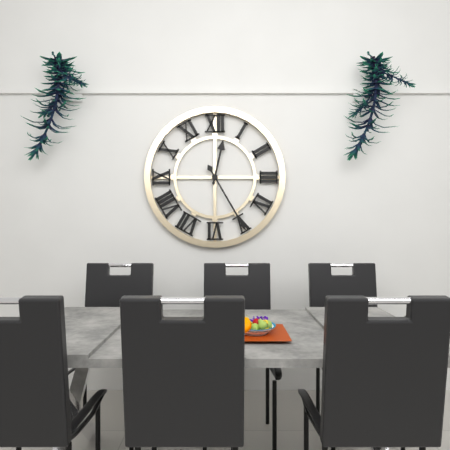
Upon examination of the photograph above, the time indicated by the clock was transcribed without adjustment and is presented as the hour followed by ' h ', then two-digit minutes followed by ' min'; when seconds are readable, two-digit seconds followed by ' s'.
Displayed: 12 h 25 min
